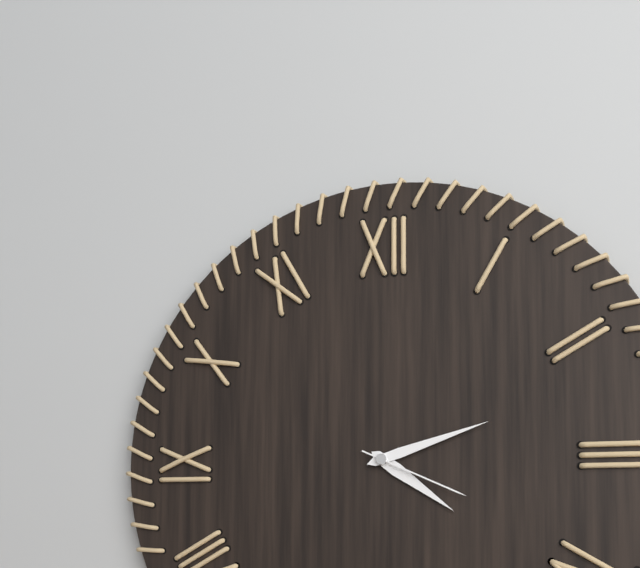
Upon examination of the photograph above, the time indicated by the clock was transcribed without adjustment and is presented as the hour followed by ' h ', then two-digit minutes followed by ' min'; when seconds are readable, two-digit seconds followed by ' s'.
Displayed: 4 h 12 min 19 s
